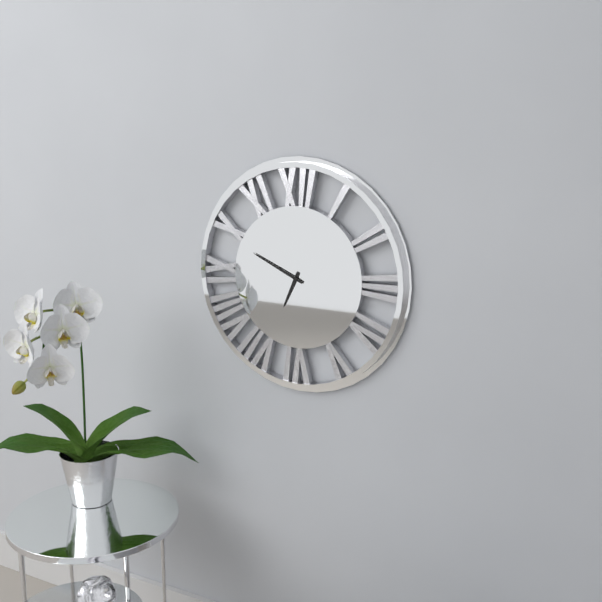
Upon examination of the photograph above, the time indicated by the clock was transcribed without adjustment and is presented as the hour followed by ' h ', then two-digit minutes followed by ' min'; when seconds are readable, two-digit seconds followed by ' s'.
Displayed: 6 h 49 min
